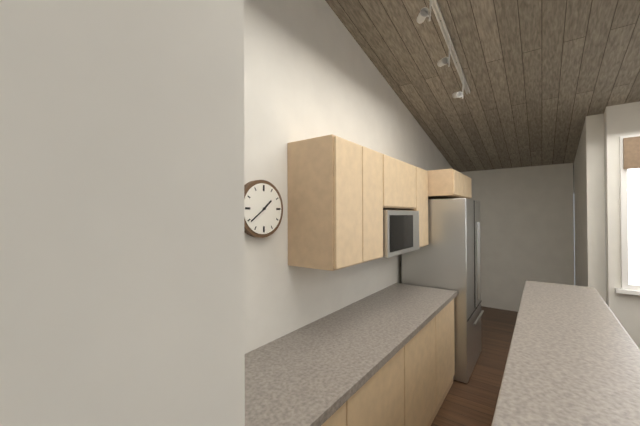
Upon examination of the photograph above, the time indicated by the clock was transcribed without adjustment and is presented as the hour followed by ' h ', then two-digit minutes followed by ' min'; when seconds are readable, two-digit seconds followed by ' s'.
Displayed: 1 h 39 min
